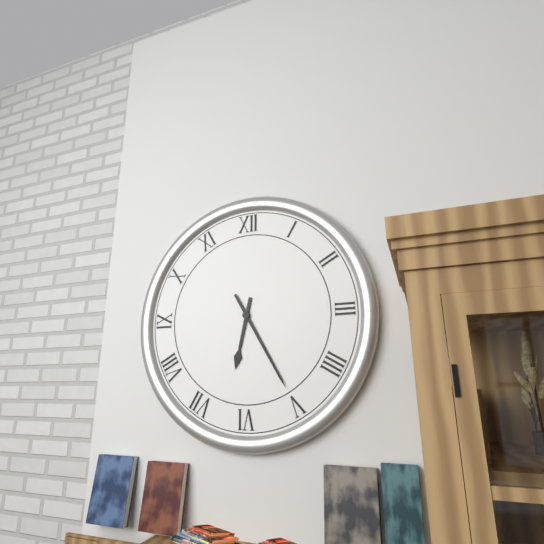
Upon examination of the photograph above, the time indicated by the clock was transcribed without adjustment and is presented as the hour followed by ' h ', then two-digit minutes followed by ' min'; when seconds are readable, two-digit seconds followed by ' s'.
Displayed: 6 h 25 min
